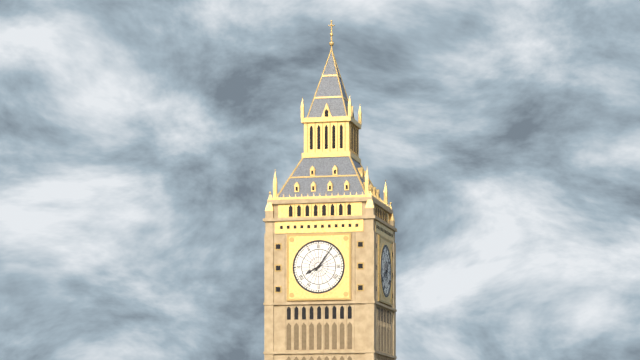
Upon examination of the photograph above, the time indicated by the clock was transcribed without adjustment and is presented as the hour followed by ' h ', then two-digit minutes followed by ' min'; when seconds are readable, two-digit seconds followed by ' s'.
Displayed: 8 h 06 min
